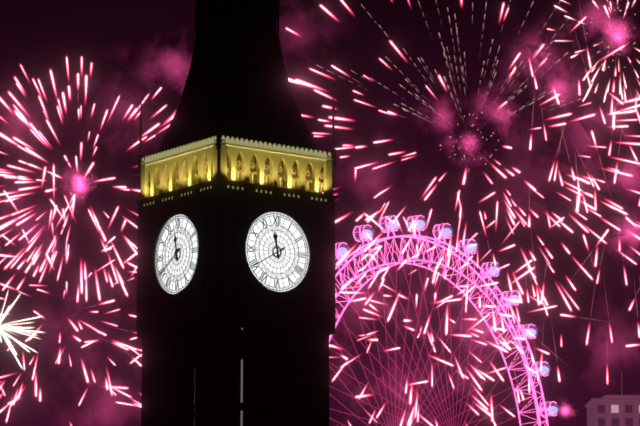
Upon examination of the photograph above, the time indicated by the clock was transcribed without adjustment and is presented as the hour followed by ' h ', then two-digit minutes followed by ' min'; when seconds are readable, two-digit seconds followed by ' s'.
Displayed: 11 h 40 min
